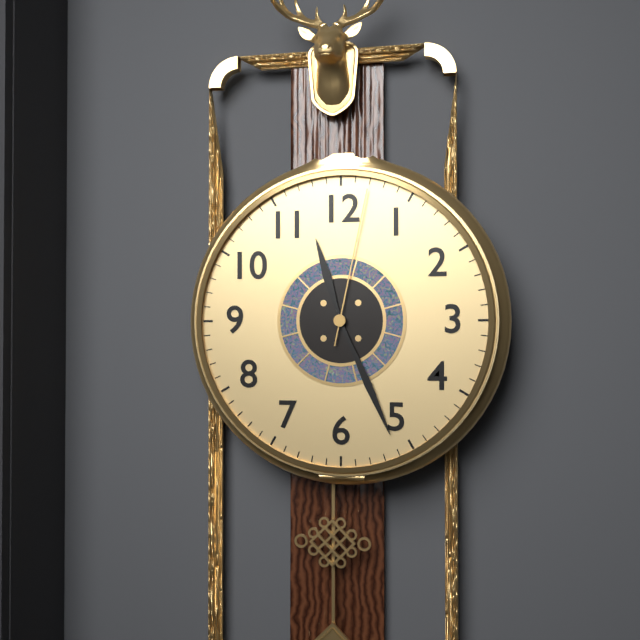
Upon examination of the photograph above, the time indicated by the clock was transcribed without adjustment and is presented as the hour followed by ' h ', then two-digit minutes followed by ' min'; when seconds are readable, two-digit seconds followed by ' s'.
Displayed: 11 h 26 min 02 s
